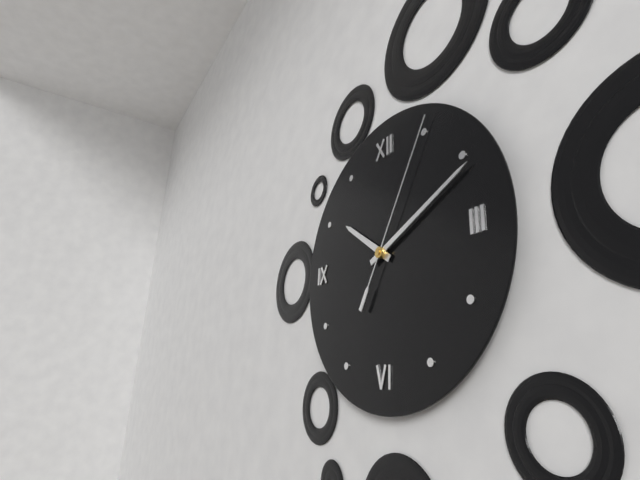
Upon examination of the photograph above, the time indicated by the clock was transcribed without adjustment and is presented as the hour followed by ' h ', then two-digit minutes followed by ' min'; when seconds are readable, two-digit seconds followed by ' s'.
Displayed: 10 h 11 min 05 s
